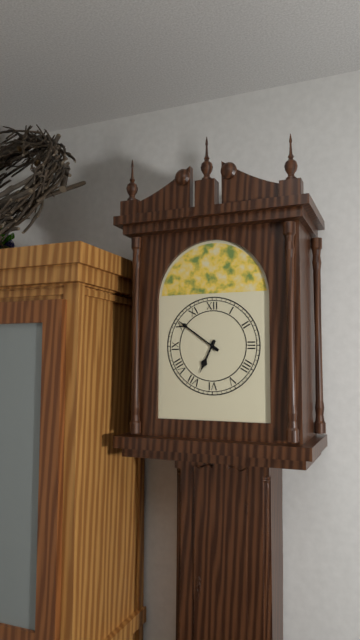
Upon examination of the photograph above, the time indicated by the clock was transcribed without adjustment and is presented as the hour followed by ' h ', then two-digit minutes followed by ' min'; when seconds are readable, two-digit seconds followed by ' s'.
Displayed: 6 h 51 min
